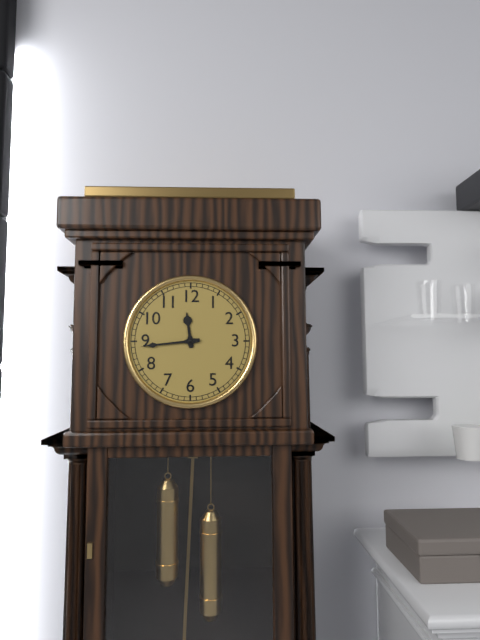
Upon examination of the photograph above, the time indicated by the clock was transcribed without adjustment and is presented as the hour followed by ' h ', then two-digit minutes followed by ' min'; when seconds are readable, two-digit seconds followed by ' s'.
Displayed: 11 h 44 min
